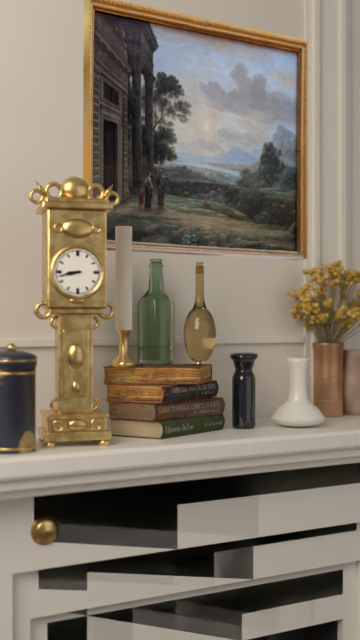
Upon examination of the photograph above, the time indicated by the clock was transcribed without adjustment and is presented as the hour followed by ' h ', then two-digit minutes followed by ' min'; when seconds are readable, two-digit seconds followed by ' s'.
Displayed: 8 h 43 min
